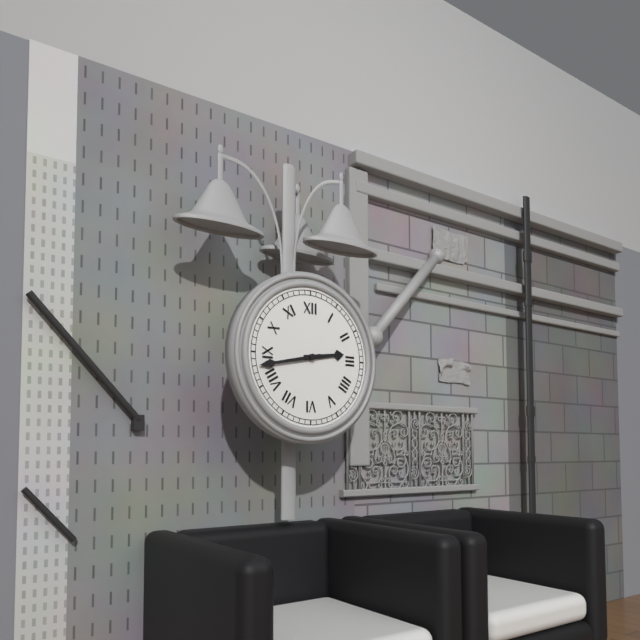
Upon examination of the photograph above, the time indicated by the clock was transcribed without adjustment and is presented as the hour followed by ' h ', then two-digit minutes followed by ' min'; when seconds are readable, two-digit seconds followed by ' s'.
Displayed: 2 h 43 min
